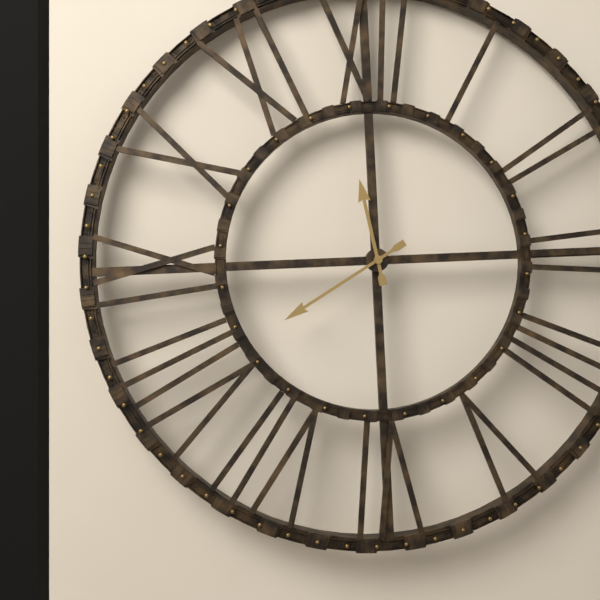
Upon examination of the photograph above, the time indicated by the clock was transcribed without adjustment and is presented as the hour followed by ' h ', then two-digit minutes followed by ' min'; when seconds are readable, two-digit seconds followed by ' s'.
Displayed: 11 h 40 min
